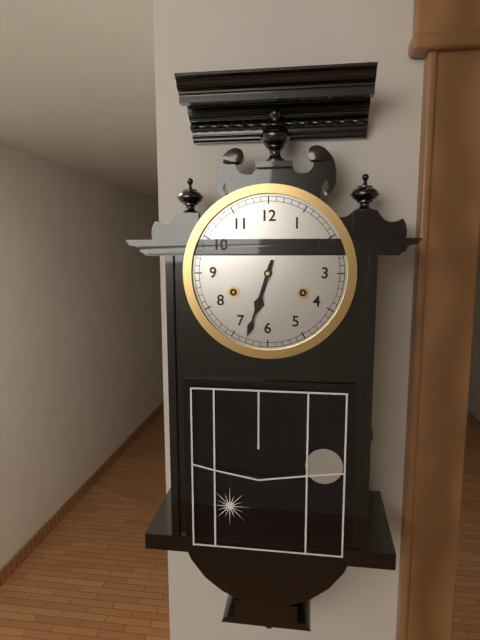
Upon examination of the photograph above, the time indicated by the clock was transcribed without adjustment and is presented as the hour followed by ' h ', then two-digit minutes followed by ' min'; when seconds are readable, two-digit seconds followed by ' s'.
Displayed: 6 h 33 min
